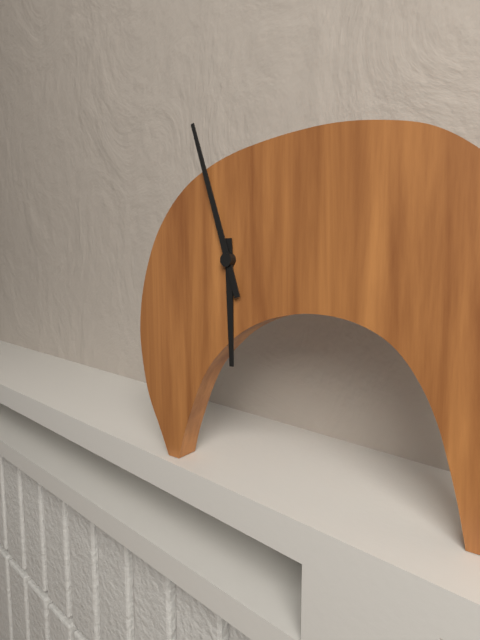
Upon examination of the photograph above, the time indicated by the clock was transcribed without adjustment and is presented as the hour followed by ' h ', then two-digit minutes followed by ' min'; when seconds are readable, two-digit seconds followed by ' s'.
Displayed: 5 h 57 min
